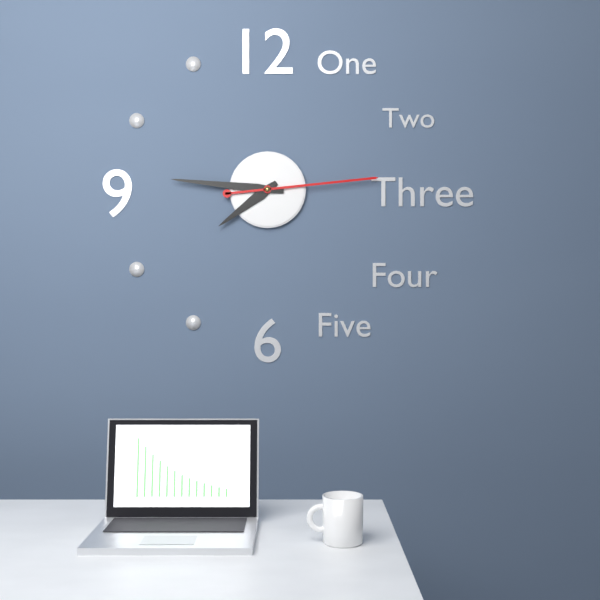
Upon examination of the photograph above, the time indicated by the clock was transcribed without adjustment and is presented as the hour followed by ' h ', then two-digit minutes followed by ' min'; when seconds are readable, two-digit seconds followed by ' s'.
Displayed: 7 h 46 min 14 s
